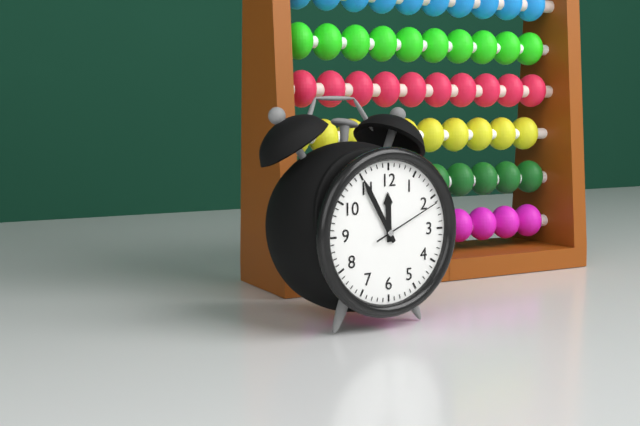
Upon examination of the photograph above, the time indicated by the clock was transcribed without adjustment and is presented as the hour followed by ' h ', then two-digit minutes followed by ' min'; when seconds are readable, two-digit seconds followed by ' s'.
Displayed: 11 h 55 min 11 s
